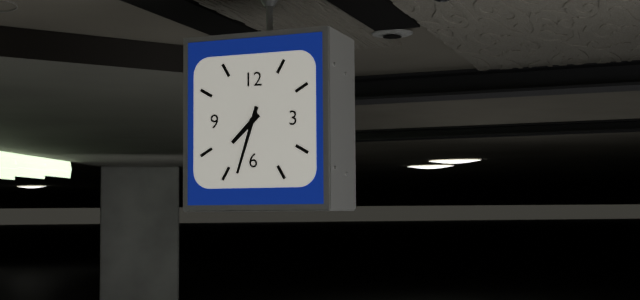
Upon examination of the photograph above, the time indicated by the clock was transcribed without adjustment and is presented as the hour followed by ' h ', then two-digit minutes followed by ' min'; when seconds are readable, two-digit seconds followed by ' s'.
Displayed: 7 h 33 min
